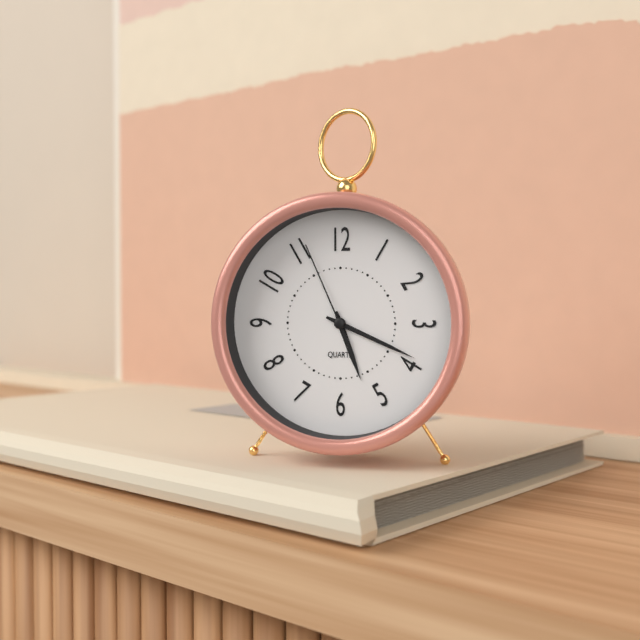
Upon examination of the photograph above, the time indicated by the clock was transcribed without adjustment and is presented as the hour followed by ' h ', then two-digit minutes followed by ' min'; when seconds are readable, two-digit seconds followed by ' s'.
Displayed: 5 h 19 min 56 s
